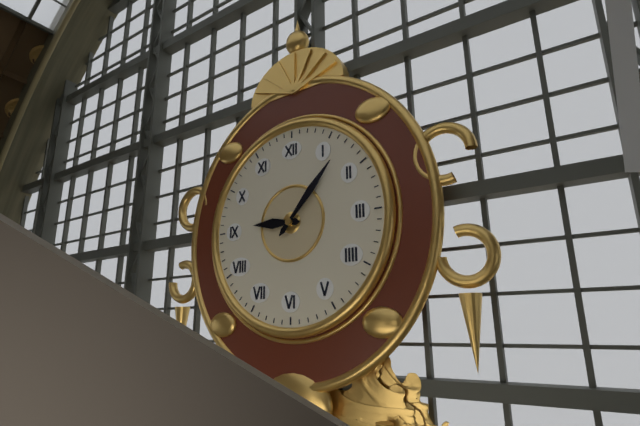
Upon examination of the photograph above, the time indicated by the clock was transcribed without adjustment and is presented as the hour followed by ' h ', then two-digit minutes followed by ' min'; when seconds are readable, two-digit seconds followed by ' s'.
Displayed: 9 h 07 min
